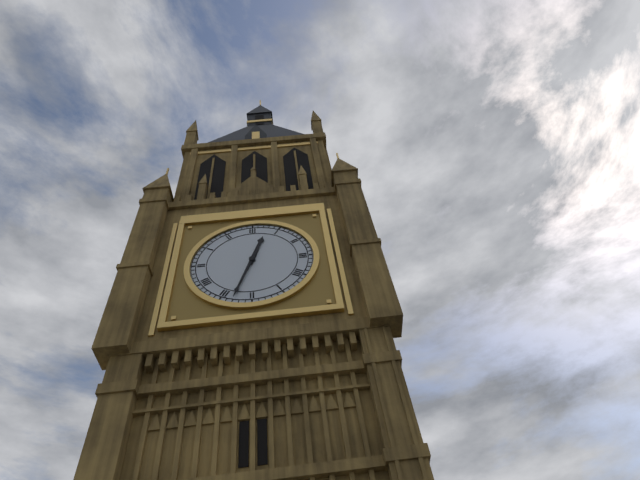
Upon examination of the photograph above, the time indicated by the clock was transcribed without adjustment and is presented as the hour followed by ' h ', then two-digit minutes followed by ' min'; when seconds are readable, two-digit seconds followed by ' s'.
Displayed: 12 h 33 min
